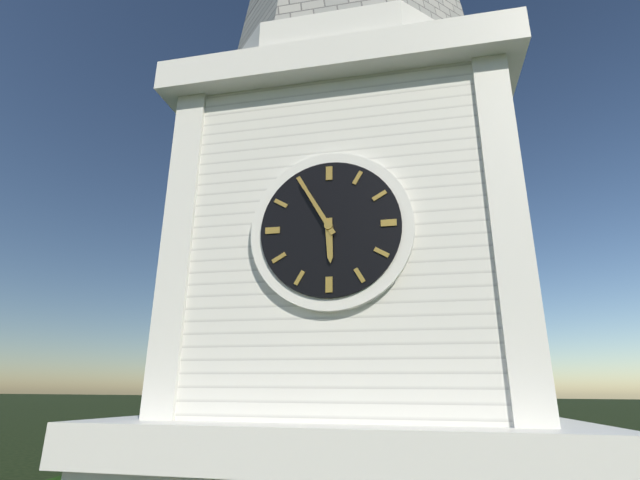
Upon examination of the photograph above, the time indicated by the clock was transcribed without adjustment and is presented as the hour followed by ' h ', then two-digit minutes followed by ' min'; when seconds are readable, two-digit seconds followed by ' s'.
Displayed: 5 h 55 min
